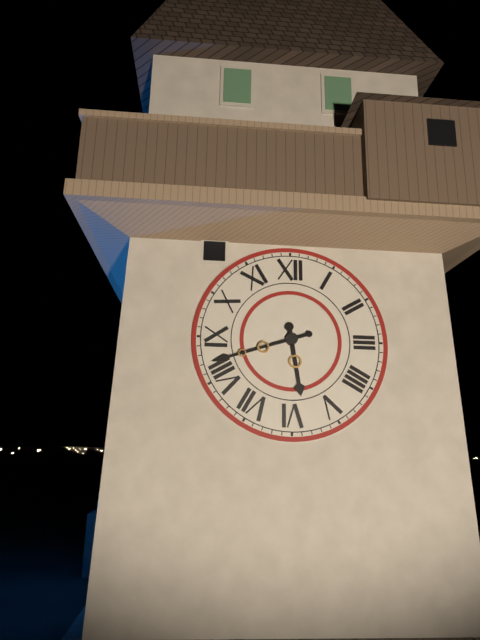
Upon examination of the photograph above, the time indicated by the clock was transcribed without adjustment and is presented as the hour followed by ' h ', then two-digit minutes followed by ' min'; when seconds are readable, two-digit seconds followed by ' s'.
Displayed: 5 h 42 min
